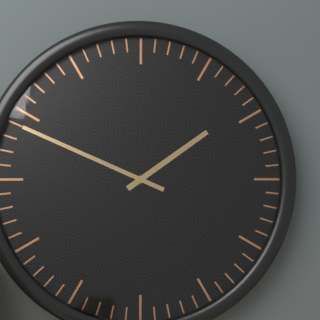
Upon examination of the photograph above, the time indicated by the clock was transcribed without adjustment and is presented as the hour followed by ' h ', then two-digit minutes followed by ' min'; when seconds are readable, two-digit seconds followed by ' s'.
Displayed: 1 h 49 min
